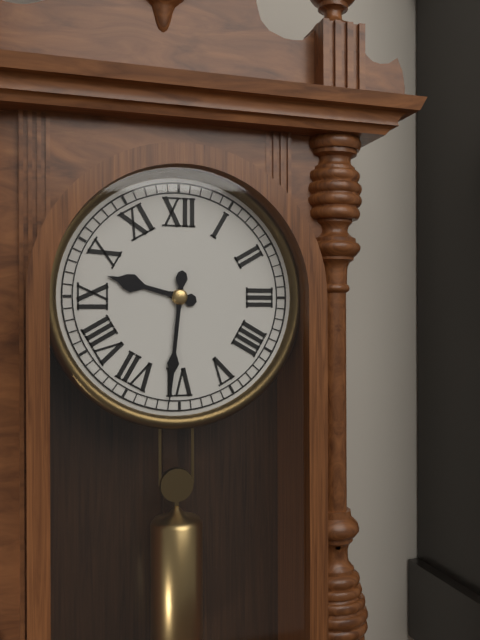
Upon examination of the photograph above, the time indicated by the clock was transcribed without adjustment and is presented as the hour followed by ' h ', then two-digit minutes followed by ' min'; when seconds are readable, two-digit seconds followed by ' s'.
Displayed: 9 h 31 min
